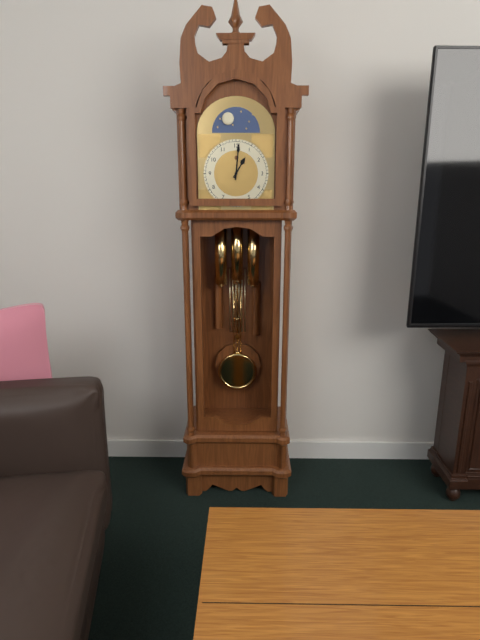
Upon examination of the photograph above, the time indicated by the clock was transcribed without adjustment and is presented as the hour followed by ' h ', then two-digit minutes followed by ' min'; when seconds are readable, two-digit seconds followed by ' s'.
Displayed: 1 h 01 min
